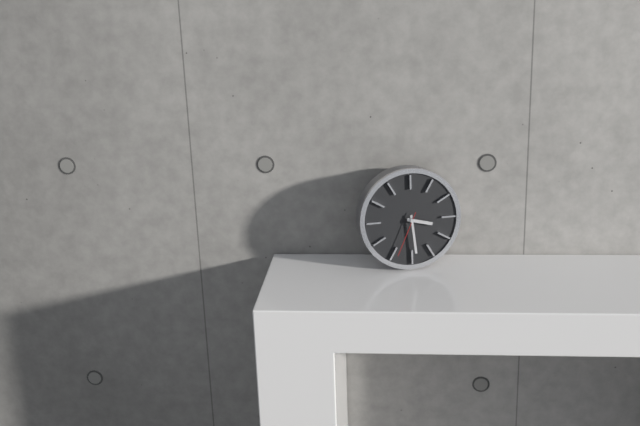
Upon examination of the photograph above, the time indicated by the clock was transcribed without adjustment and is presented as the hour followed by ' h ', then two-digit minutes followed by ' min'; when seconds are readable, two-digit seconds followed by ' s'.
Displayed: 3 h 29 min
